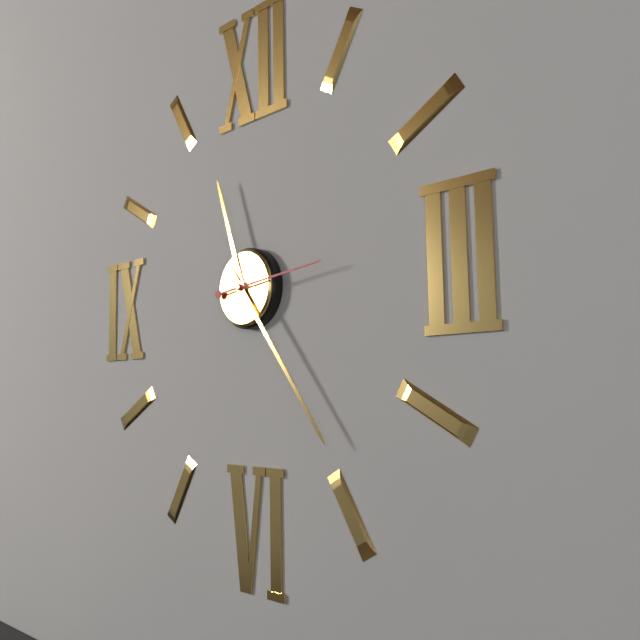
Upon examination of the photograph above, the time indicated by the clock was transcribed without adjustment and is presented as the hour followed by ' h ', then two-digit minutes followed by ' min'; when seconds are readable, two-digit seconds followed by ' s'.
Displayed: 11 h 24 min 14 s
